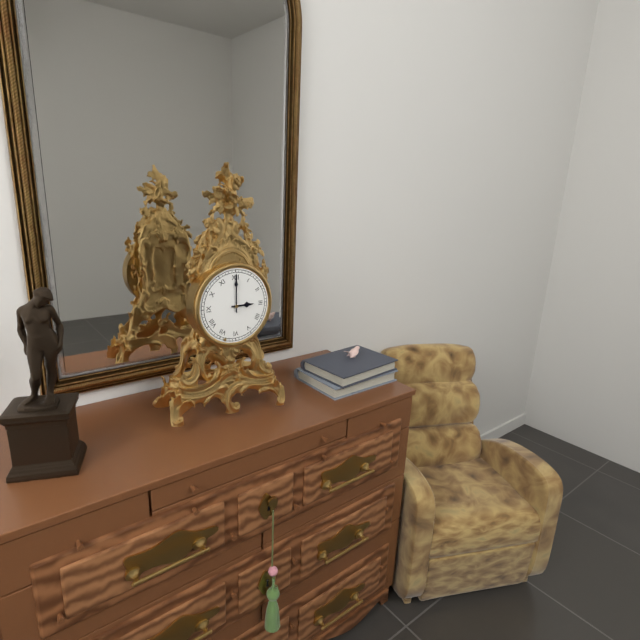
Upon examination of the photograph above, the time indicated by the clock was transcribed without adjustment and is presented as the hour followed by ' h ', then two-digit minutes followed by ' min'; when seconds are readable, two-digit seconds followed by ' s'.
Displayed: 3 h 00 min
